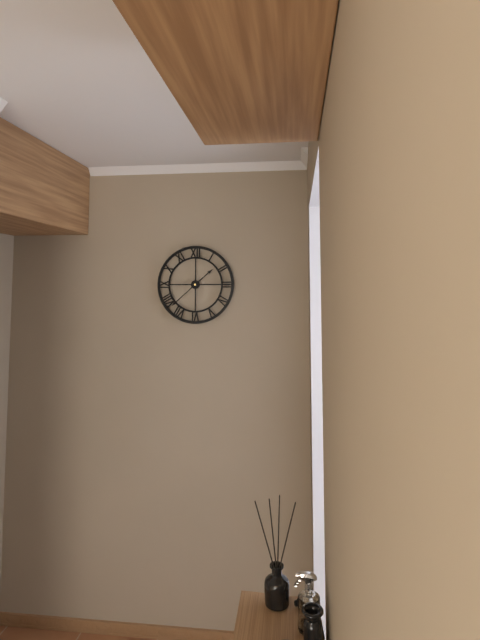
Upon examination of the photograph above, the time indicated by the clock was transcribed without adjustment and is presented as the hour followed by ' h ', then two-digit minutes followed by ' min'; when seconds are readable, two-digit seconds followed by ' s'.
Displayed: 1 h 38 min
